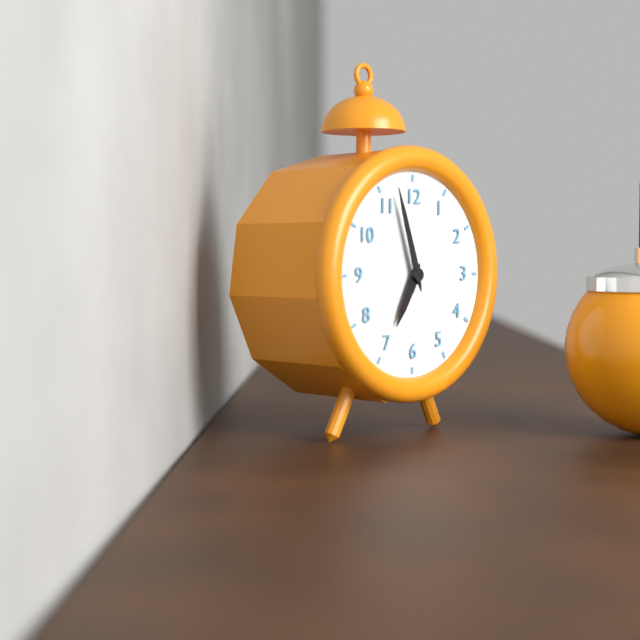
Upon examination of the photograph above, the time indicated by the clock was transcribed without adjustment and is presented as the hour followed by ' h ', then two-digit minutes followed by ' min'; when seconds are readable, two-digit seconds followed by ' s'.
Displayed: 6 h 57 min
